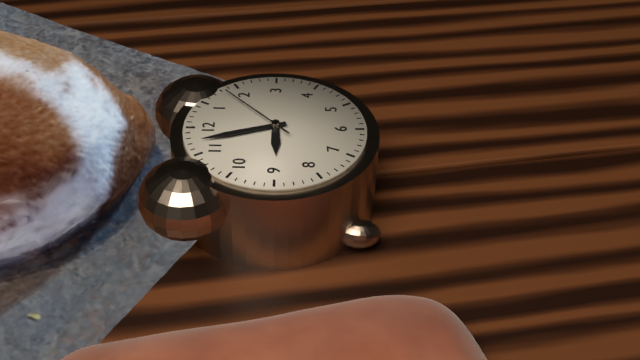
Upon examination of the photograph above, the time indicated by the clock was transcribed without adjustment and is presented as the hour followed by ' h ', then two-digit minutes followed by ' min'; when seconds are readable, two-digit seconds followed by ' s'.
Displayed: 8 h 57 min 08 s
